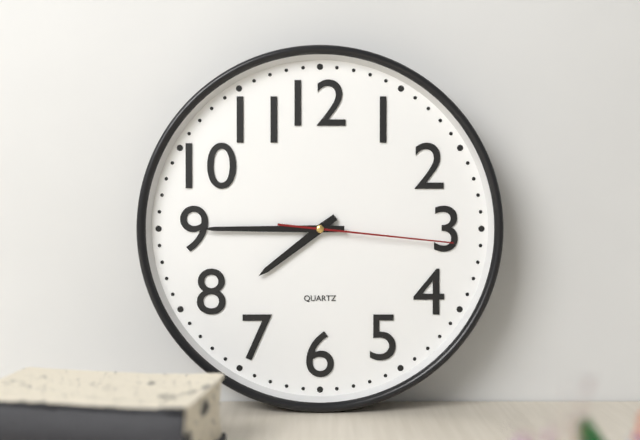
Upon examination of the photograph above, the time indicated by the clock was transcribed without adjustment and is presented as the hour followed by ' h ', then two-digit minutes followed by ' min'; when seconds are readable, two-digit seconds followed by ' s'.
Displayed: 7 h 45 min 16 s
